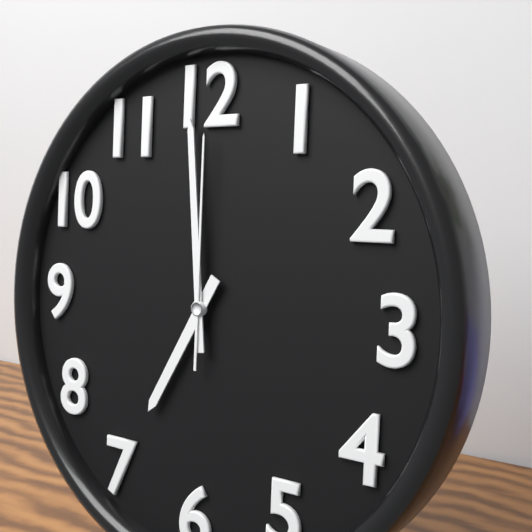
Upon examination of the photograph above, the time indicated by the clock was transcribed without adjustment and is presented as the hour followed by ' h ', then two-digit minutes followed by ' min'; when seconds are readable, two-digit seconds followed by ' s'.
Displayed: 6 h 59 min 00 s
